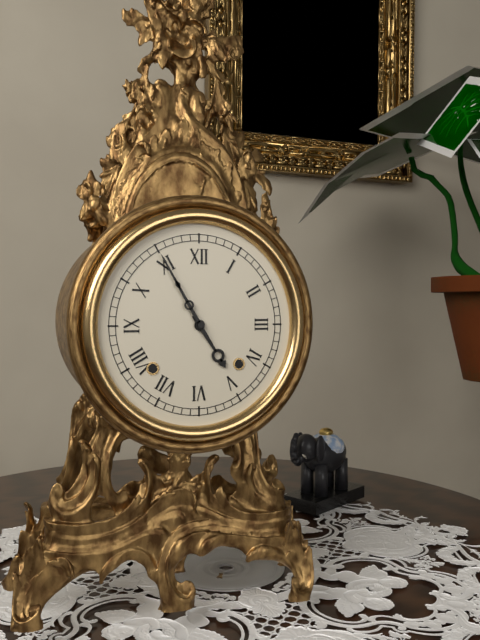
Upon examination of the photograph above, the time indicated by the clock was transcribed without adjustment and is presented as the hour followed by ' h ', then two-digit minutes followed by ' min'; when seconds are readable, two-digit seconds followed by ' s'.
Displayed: 4 h 55 min
